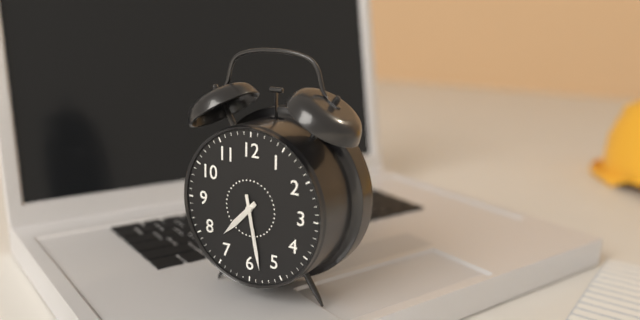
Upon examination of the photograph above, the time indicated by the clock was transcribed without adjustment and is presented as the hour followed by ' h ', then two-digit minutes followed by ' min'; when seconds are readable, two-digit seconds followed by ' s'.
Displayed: 7 h 28 min
